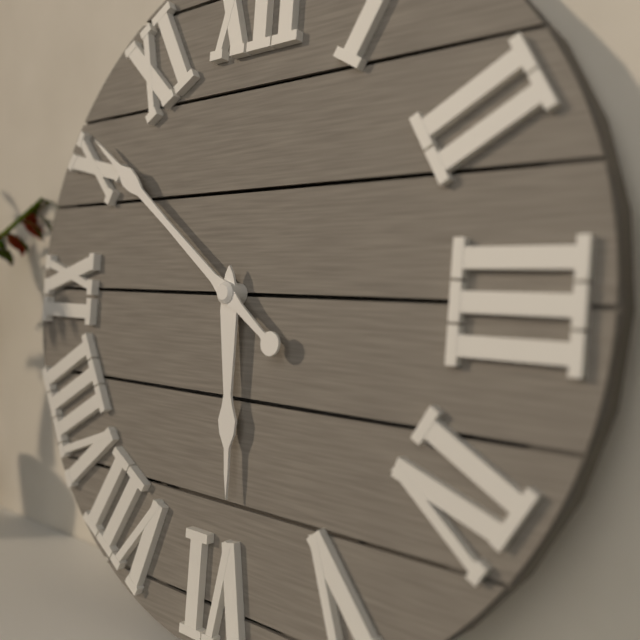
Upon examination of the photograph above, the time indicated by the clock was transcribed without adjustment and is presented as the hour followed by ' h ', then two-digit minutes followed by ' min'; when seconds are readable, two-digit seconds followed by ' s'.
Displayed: 5 h 51 min
